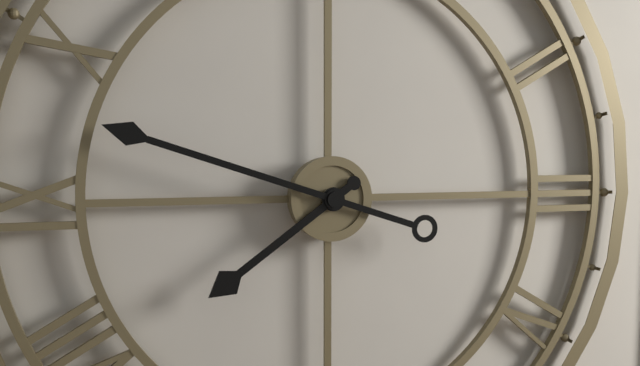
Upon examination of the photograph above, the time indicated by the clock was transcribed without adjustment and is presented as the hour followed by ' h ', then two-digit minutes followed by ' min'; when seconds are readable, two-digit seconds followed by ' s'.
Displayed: 7 h 48 min
